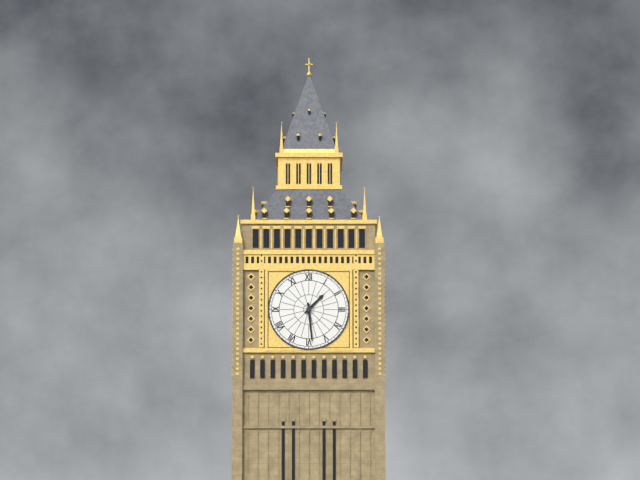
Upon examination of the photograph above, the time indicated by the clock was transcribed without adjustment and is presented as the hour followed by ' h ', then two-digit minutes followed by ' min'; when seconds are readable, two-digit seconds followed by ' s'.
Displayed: 1 h 29 min
